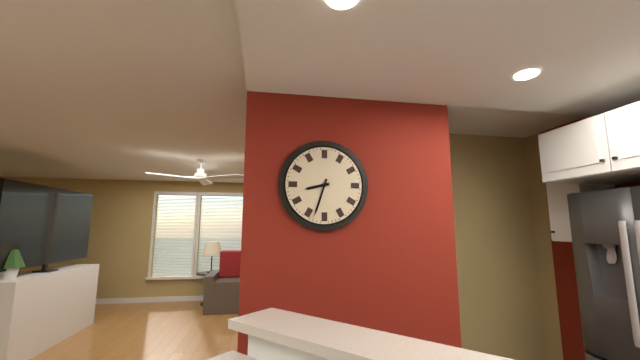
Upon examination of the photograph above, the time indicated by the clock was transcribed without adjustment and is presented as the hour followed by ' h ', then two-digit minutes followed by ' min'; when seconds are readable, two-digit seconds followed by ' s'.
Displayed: 8 h 33 min
